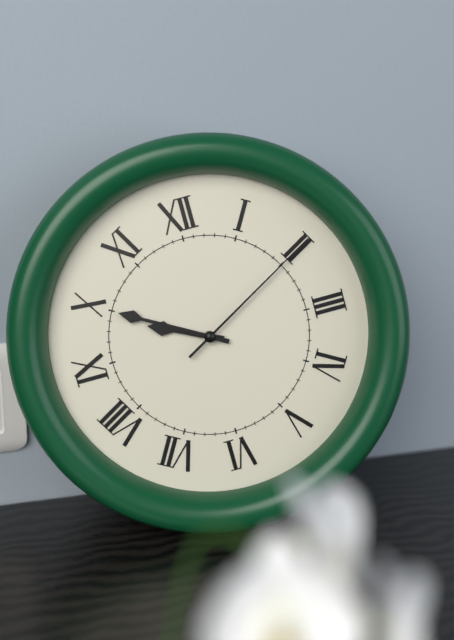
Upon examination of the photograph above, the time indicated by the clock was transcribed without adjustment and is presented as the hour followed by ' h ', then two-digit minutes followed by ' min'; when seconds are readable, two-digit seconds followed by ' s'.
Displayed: 9 h 50 min 10 s
